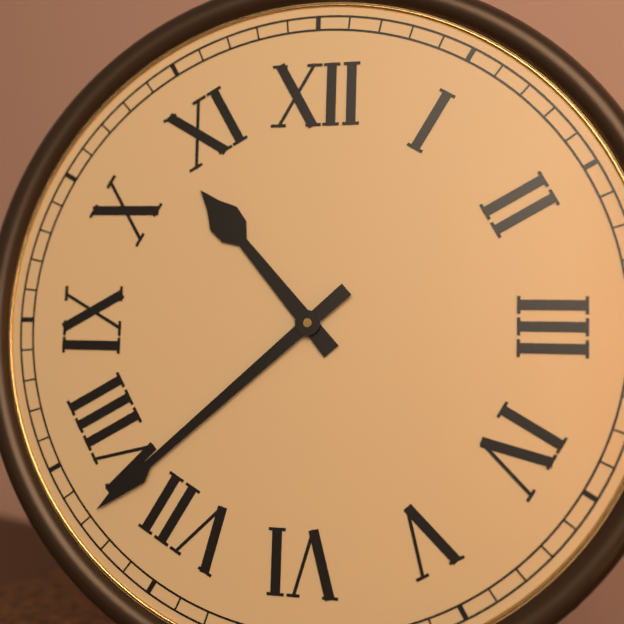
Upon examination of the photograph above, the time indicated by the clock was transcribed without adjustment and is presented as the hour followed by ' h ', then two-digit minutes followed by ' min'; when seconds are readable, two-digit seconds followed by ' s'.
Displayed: 10 h 38 min
